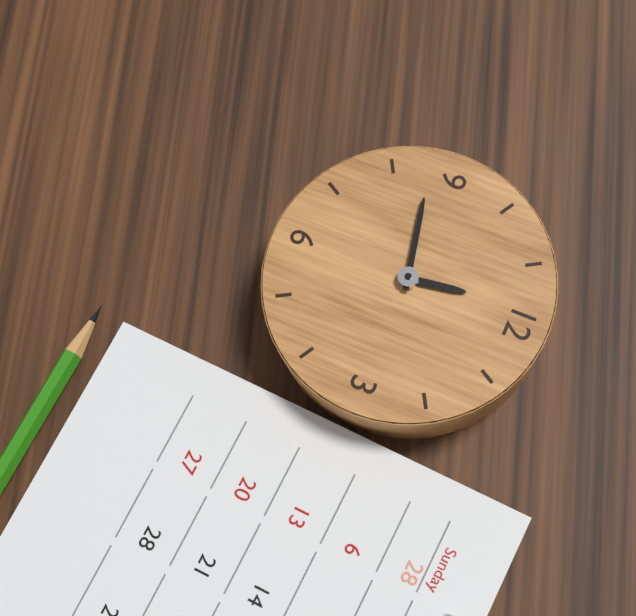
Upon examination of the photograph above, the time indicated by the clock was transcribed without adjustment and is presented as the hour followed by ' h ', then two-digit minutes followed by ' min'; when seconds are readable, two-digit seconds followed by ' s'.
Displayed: 11 h 43 min
